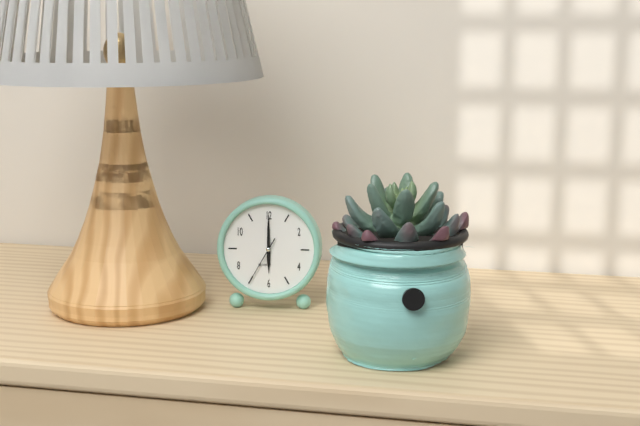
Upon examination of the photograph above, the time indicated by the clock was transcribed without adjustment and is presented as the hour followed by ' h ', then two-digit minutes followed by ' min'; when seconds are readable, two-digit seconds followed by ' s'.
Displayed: 6 h 00 min 35 s
